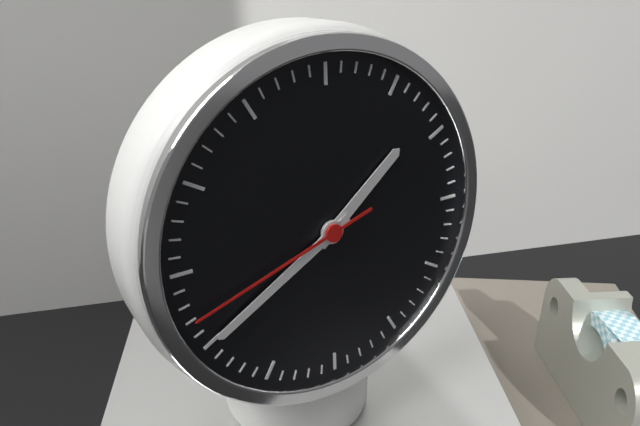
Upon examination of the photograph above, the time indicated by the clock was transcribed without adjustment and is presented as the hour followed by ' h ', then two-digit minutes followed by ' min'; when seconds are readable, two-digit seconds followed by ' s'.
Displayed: 1 h 40 min 42 s
